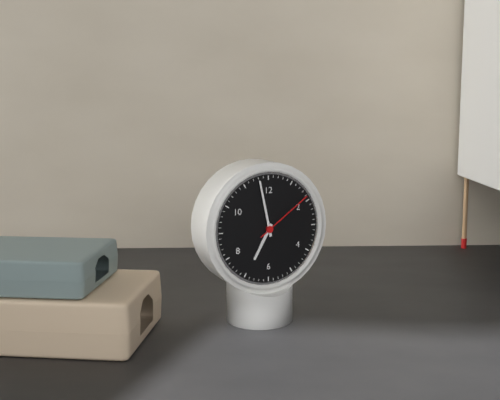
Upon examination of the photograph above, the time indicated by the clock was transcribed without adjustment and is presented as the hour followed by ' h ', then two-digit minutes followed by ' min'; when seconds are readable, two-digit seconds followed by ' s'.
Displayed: 6 h 58 min 09 s
